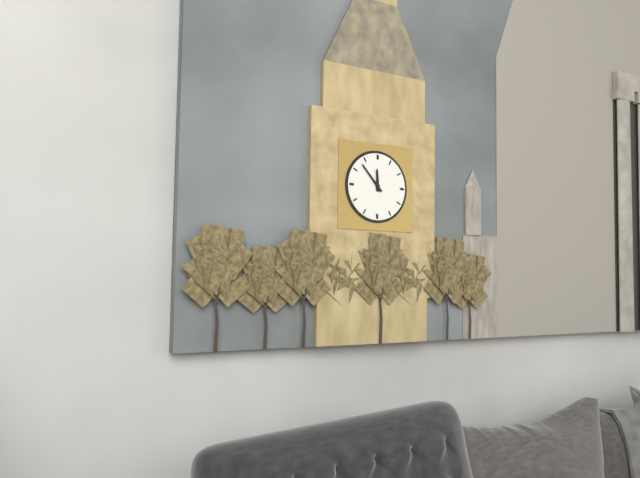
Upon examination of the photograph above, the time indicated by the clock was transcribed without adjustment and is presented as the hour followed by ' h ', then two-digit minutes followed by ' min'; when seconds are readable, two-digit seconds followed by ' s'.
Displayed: 11 h 53 min
